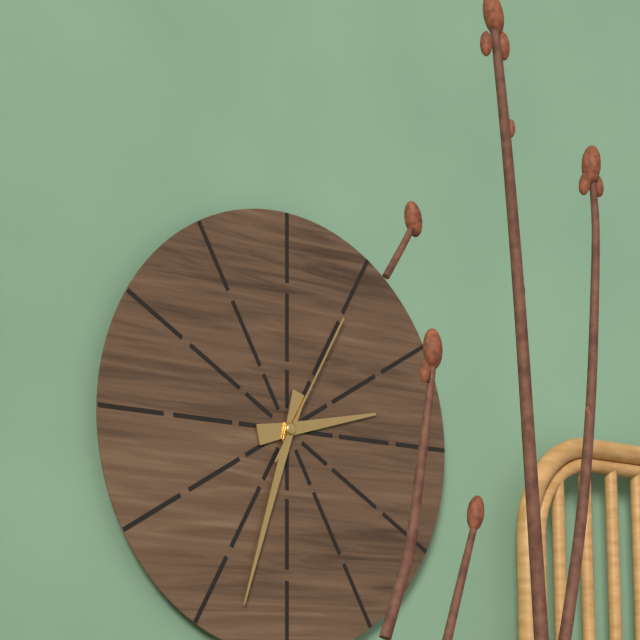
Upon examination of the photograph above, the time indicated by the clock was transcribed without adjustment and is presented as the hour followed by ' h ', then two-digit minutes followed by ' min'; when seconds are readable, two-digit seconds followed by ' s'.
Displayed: 2 h 33 min 05 s
